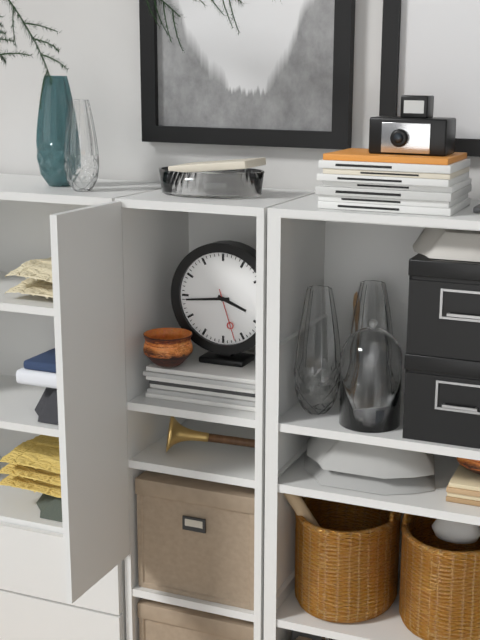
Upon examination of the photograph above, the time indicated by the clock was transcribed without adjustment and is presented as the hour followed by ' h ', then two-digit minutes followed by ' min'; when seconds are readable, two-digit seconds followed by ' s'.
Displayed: 3 h 44 min 27 s
